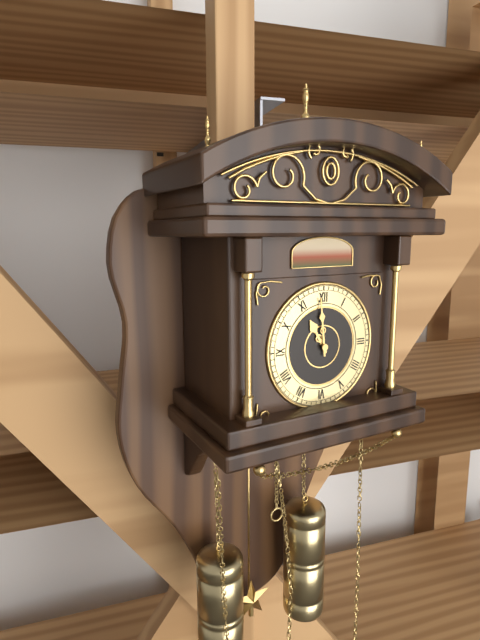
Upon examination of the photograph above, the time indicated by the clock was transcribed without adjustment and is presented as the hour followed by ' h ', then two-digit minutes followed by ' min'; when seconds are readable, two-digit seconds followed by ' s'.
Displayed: 10 h 59 min
